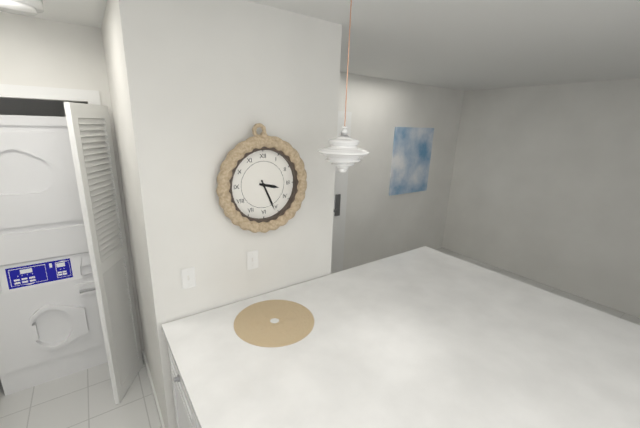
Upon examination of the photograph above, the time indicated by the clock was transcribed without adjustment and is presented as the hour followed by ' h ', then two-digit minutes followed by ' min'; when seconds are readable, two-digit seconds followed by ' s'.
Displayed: 3 h 26 min
